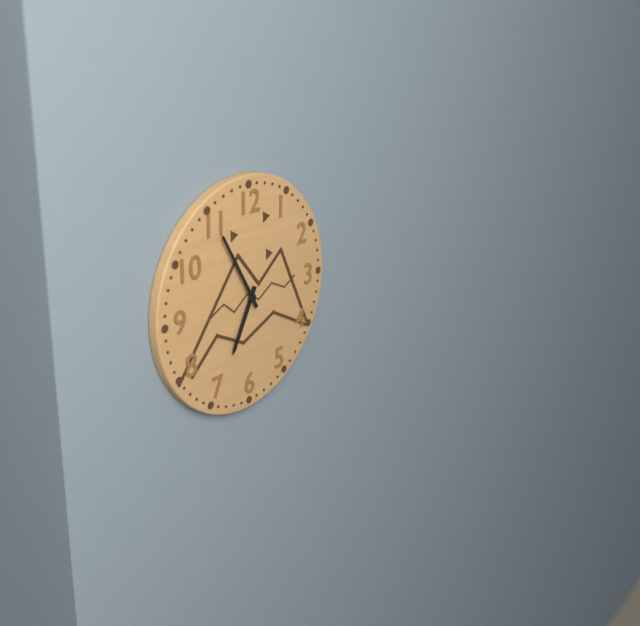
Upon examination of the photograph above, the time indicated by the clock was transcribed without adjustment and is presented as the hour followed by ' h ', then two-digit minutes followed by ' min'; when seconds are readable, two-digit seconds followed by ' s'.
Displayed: 6 h 55 min
